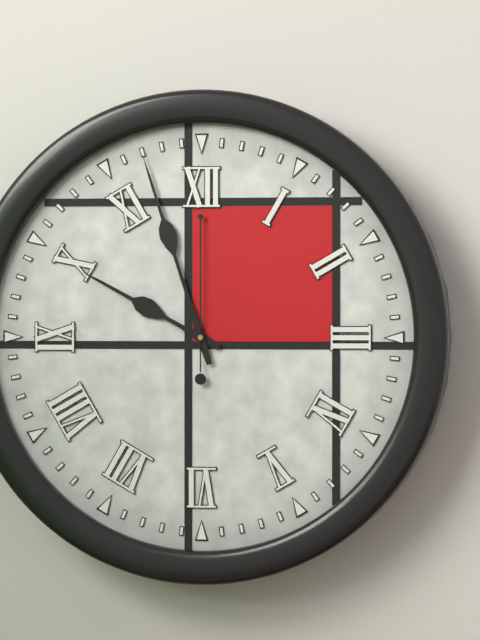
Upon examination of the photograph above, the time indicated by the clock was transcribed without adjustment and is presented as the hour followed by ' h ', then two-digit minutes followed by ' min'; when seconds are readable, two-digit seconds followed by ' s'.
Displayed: 9 h 57 min 00 s
